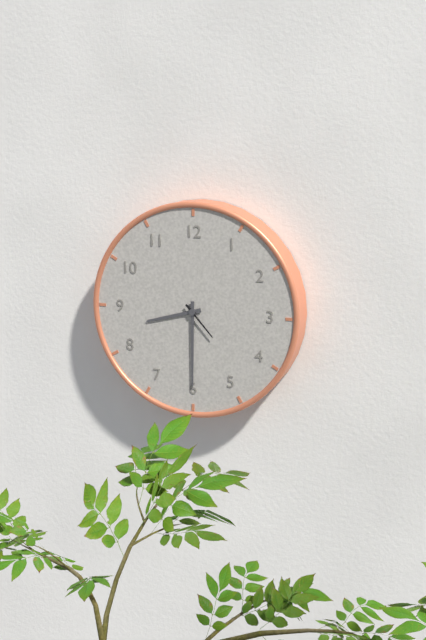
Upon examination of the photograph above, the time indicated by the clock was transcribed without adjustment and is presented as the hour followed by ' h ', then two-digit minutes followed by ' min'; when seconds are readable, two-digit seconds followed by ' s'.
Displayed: 8 h 30 min
